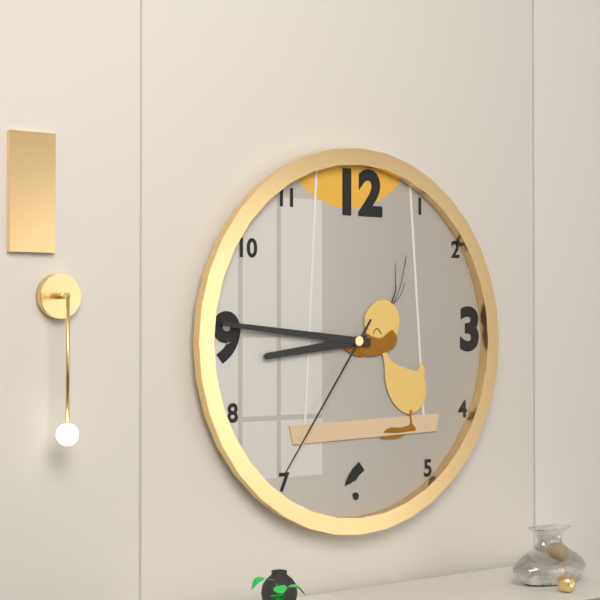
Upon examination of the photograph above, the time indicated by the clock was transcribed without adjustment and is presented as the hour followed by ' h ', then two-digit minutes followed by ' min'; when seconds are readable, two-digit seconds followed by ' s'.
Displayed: 8 h 46 min 36 s
